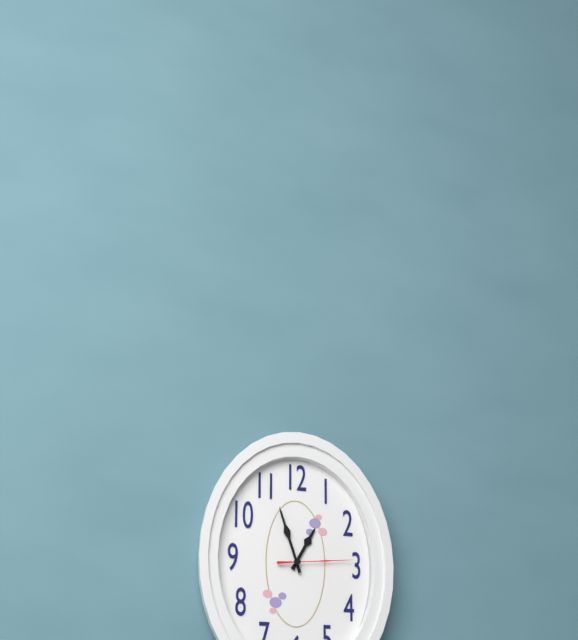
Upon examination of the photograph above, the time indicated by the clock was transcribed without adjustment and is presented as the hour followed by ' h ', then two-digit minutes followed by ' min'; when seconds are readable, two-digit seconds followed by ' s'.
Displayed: 12 h 57 min 14 s
